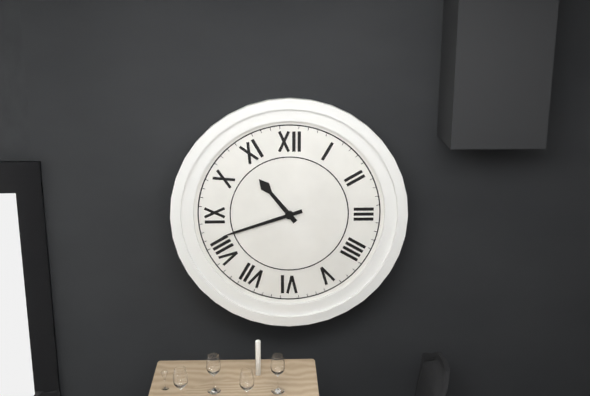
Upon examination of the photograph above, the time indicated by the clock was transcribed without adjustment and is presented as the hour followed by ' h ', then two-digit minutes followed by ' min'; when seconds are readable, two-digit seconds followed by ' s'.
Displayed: 10 h 42 min
